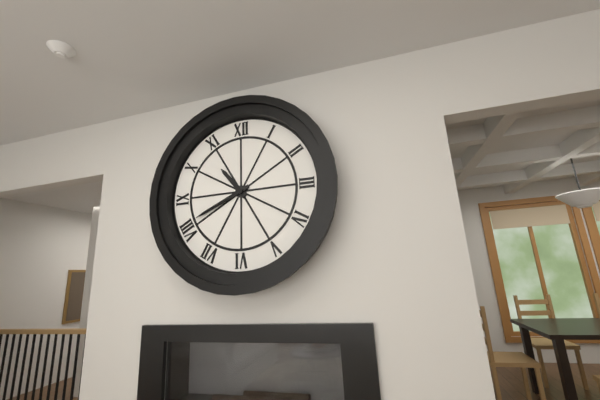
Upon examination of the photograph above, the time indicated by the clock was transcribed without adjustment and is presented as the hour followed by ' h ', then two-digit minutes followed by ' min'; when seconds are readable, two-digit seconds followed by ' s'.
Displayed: 10 h 41 min
